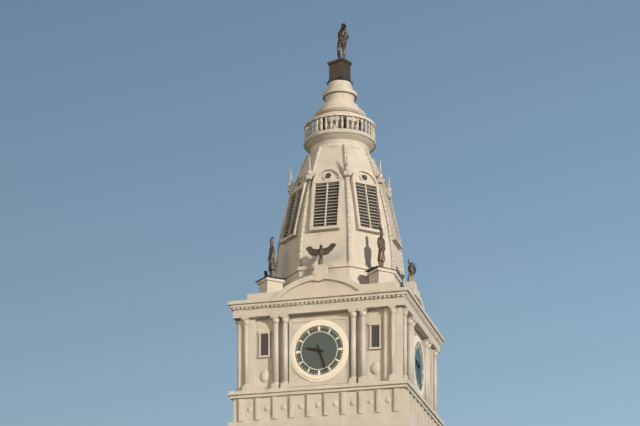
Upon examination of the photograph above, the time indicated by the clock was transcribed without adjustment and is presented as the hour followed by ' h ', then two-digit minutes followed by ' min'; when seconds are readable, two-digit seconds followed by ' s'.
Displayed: 9 h 27 min
